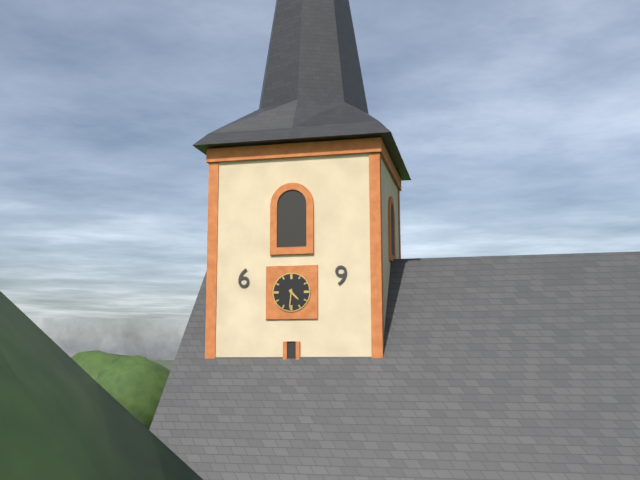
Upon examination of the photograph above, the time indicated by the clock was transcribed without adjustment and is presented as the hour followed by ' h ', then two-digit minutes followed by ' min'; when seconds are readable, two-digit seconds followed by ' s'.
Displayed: 4 h 31 min
